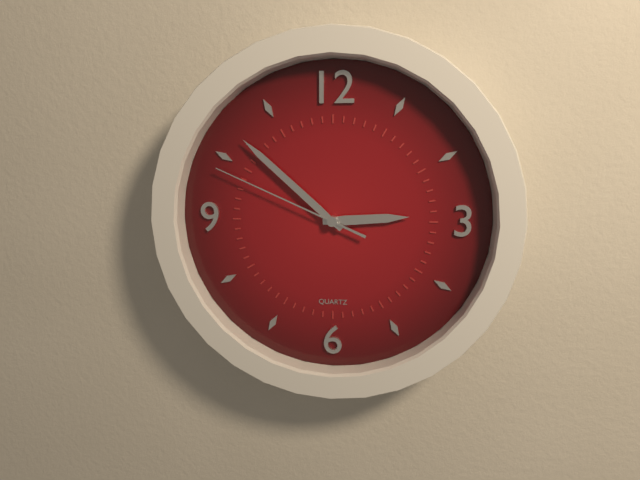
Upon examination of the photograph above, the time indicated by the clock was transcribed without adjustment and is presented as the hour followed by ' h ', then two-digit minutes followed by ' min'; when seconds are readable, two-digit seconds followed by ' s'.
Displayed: 2 h 52 min 49 s
